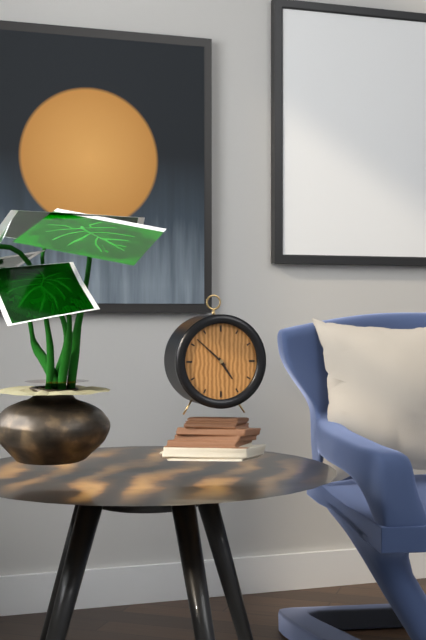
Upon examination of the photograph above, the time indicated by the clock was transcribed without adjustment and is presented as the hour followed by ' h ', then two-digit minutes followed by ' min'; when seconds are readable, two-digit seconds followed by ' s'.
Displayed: 4 h 52 min
